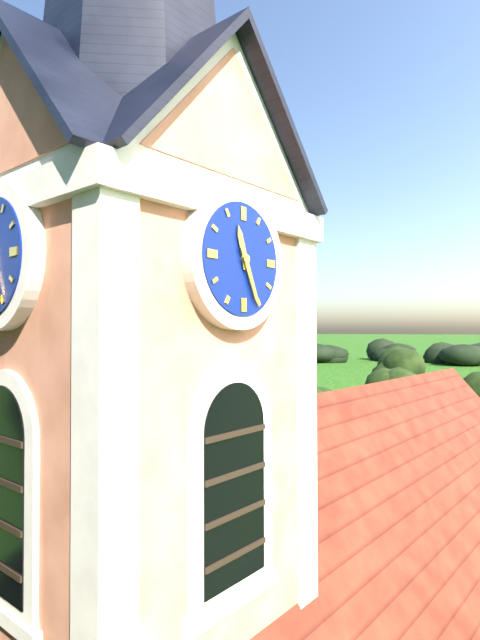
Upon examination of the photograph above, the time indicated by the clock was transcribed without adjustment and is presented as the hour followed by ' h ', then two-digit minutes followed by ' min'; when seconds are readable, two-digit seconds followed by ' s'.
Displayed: 11 h 26 min
